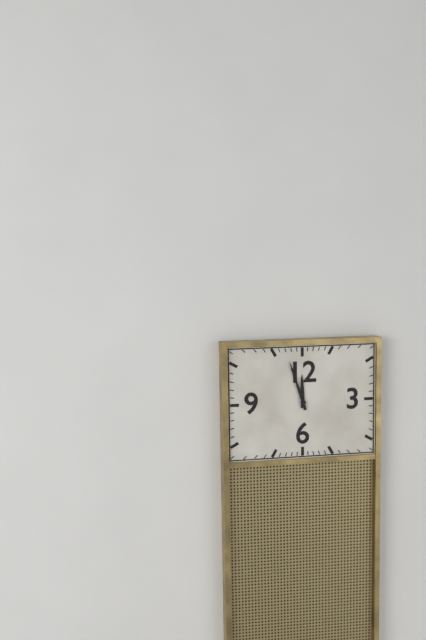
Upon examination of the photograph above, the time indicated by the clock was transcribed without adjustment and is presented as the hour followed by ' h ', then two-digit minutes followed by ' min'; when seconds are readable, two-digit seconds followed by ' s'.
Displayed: 11 h 57 min
